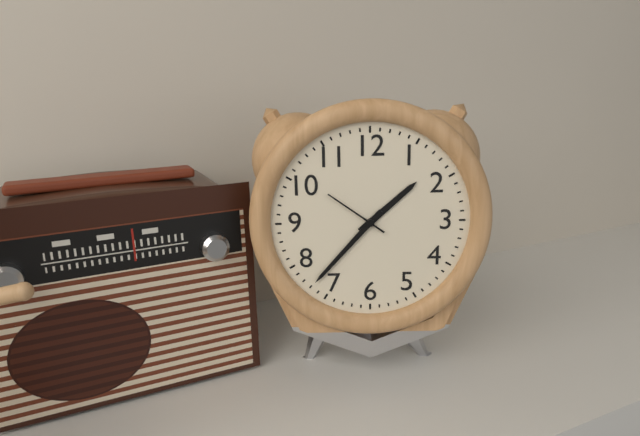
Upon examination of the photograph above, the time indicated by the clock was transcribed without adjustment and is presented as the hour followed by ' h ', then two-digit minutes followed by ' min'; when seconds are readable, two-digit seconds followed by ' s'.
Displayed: 1 h 37 min 51 s
